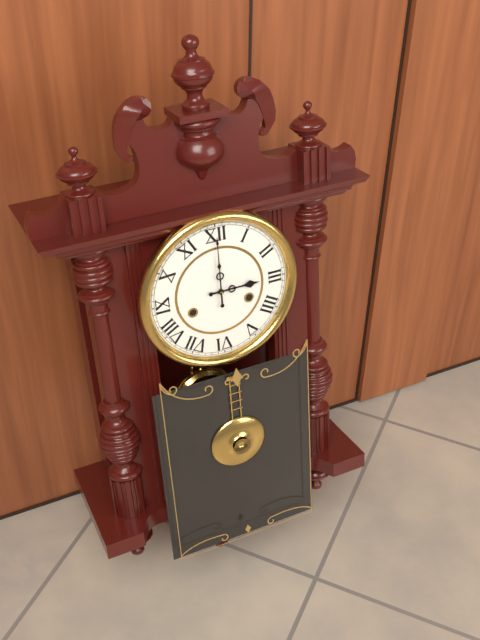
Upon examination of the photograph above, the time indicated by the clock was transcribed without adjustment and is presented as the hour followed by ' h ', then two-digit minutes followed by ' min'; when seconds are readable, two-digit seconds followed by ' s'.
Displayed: 3 h 00 min
